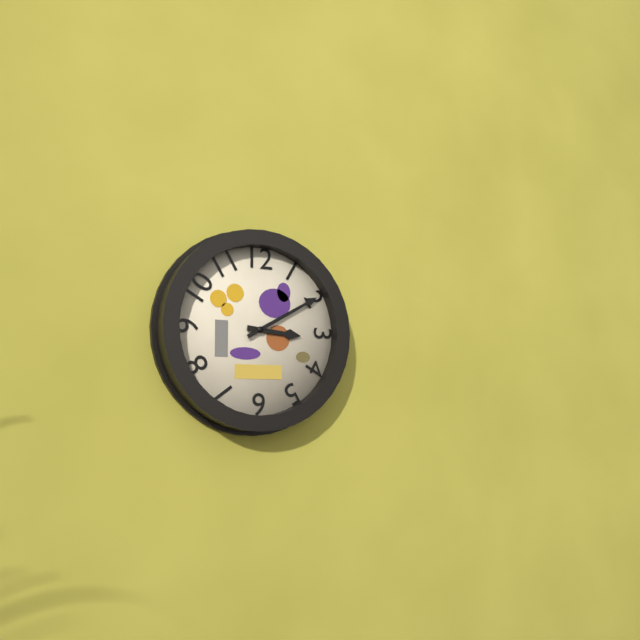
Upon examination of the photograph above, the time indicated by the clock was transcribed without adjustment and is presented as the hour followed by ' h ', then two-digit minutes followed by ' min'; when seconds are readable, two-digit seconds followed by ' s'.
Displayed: 3 h 10 min
